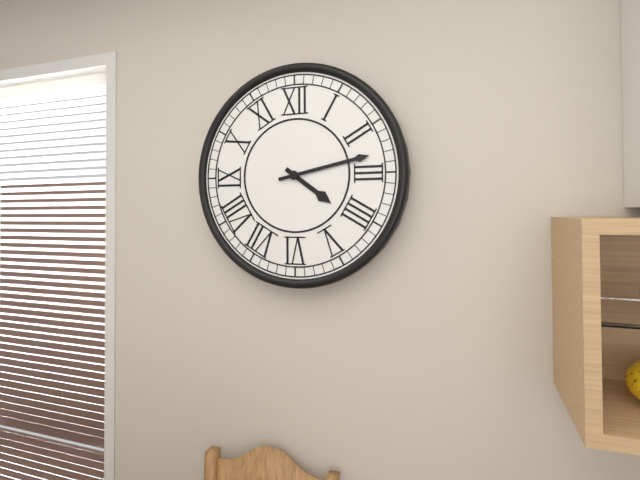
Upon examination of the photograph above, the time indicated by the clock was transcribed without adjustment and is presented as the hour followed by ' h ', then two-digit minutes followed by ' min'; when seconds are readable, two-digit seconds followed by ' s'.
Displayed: 4 h 13 min
